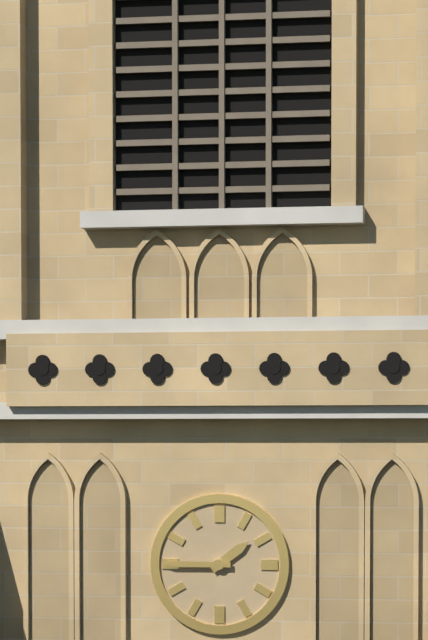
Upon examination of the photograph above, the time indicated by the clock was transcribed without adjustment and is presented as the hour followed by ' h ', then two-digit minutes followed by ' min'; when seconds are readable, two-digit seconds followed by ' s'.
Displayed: 1 h 45 min
